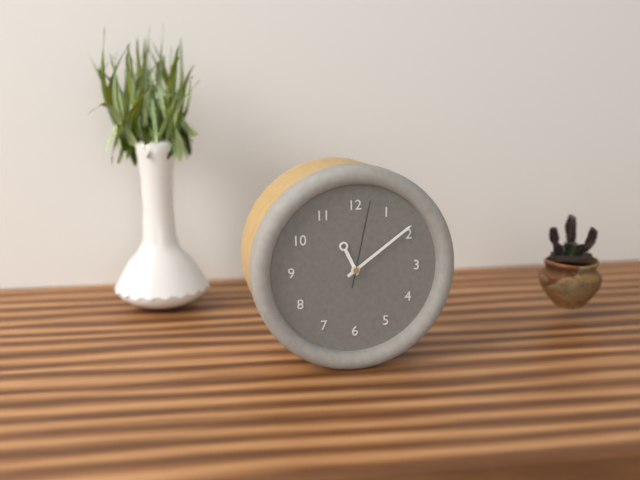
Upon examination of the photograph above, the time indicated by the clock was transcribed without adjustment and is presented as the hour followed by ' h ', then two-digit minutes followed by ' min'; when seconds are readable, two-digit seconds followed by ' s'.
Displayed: 11 h 09 min 02 s
